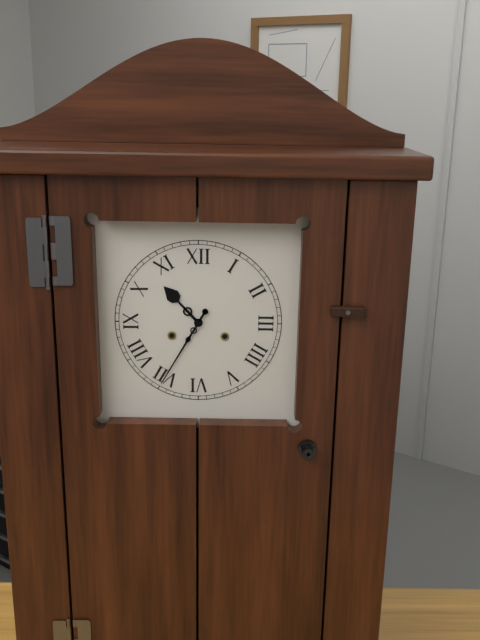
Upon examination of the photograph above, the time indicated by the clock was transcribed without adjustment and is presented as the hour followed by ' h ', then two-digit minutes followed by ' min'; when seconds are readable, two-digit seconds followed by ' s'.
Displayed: 10 h 35 min
